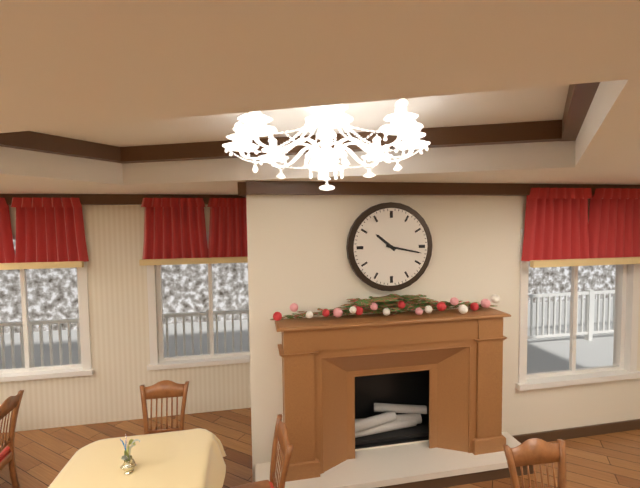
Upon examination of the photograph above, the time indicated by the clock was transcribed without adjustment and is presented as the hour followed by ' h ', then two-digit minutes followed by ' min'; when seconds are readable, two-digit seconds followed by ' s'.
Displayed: 10 h 17 min
